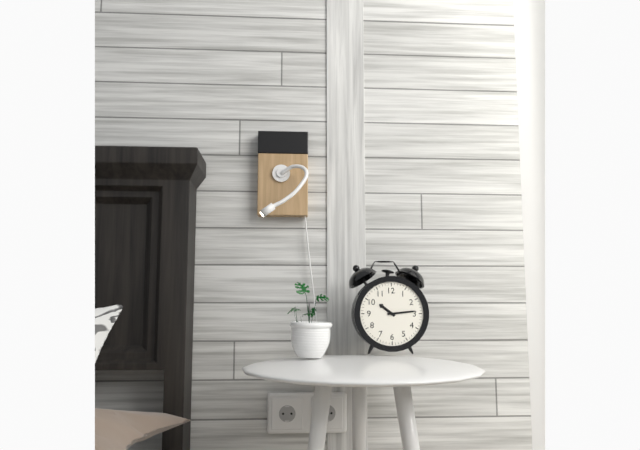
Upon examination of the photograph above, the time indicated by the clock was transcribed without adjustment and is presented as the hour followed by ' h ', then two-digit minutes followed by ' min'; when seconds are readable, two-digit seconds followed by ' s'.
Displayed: 10 h 14 min
